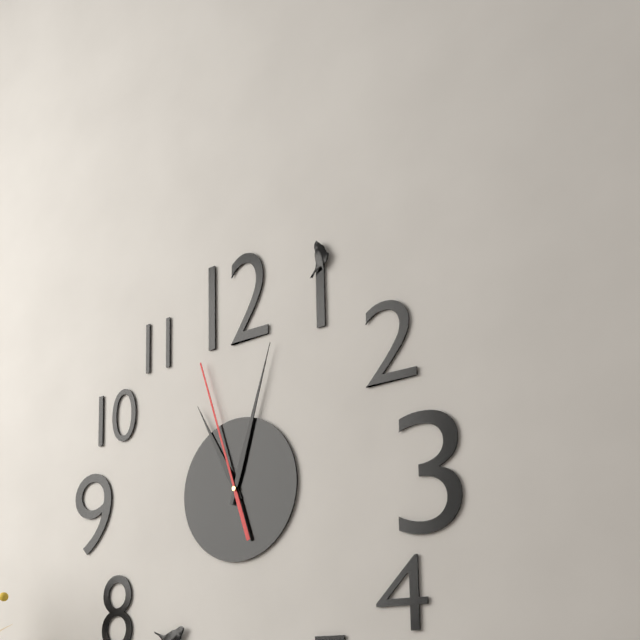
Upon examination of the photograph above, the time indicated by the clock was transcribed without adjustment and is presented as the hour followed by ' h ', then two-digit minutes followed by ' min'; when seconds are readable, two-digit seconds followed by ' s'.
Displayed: 11 h 03 min 57 s
